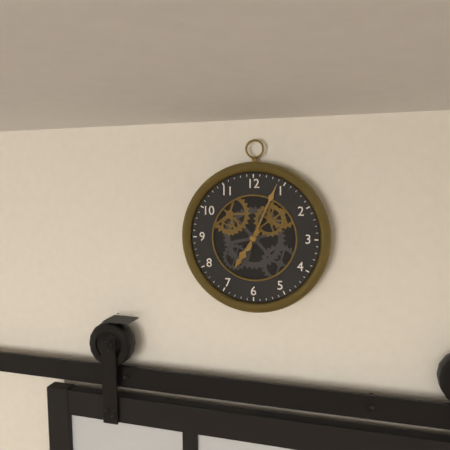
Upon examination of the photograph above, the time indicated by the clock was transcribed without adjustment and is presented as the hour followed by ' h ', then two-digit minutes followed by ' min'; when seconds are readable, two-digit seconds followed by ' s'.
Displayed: 7 h 04 min
